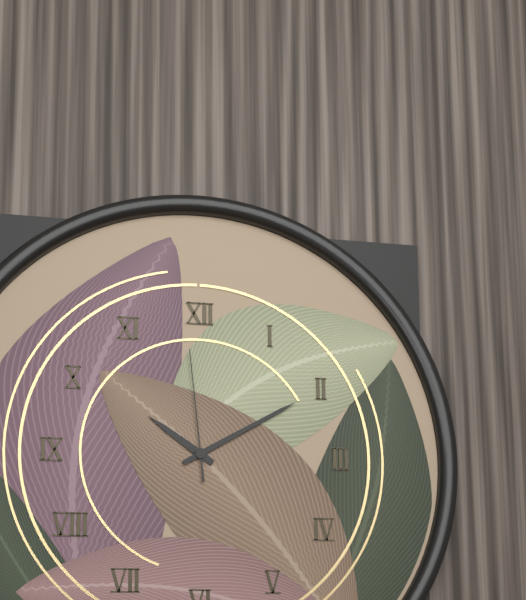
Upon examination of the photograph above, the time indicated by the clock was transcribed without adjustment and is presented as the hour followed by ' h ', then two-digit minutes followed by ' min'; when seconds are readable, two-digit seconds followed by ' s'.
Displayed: 10 h 10 min 59 s
